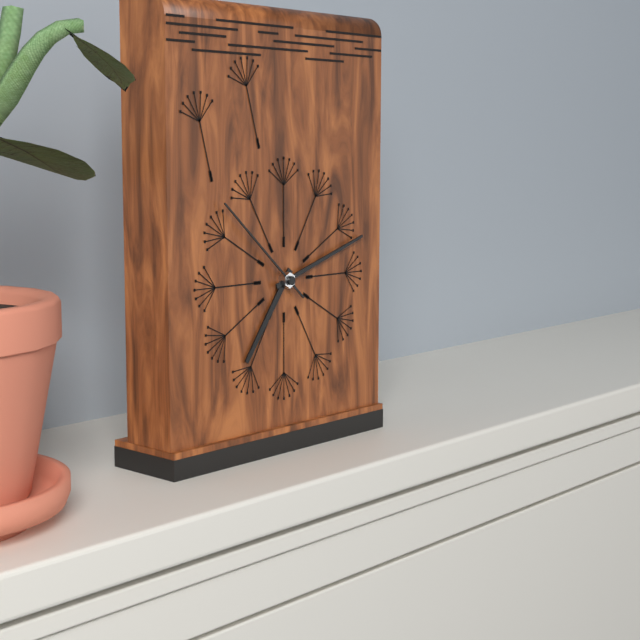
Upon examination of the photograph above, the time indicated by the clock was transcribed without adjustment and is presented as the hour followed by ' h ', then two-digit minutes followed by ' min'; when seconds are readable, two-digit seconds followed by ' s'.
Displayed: 7 h 12 min 52 s
